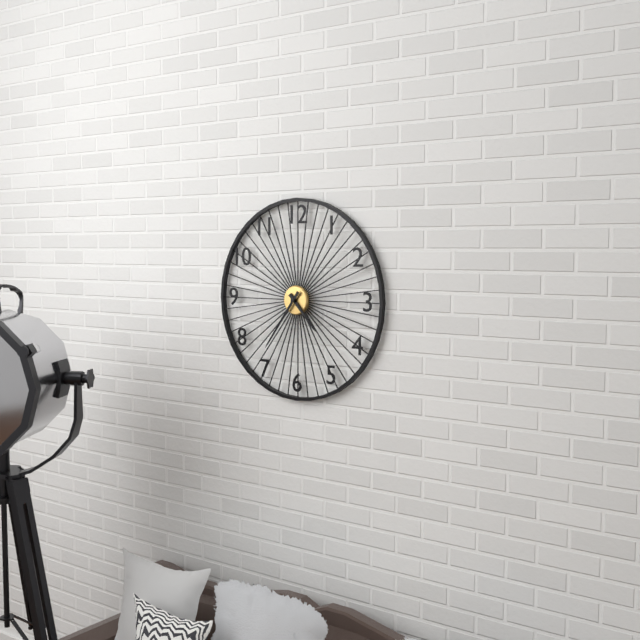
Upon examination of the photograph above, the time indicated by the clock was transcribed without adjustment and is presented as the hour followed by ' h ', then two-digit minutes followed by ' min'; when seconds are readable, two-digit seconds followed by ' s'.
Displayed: 4 h 36 min
